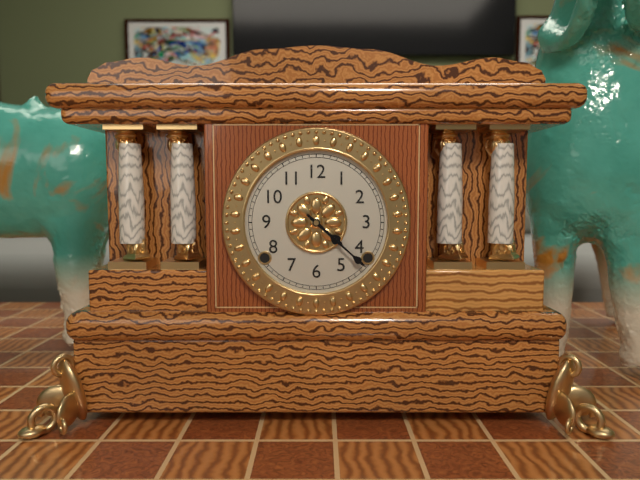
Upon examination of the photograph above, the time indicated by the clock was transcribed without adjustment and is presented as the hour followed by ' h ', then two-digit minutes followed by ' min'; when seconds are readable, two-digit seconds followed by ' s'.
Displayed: 4 h 22 min
